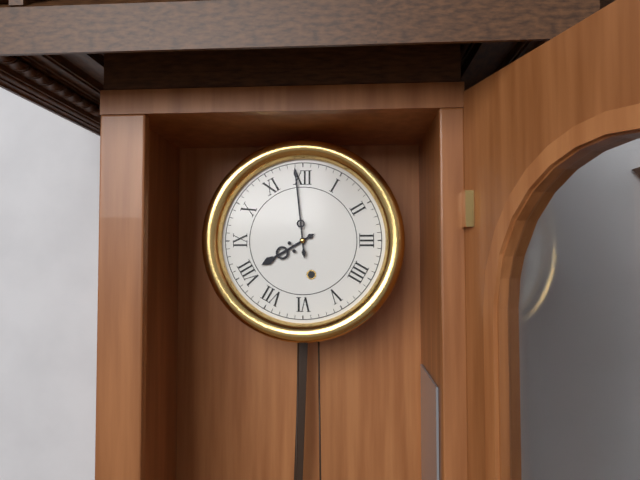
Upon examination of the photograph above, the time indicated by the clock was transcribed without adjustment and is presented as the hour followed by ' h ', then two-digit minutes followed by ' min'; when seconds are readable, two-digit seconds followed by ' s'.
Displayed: 7 h 59 min
